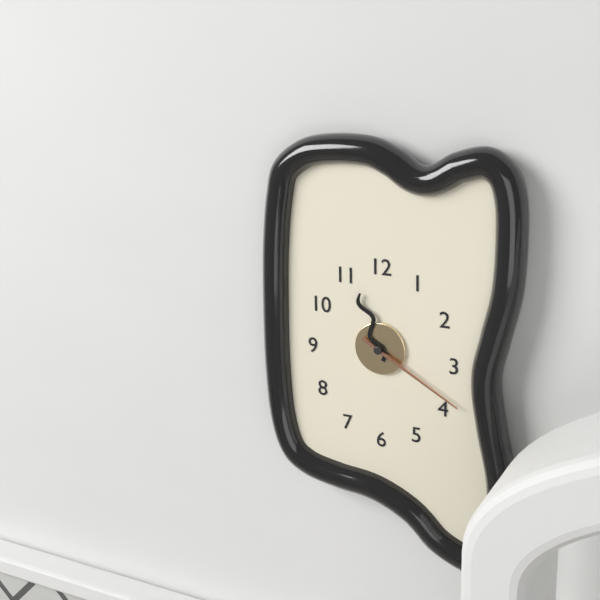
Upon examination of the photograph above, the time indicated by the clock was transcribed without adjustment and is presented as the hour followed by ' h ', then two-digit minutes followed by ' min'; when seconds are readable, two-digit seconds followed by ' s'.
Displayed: 11 h 20 min
